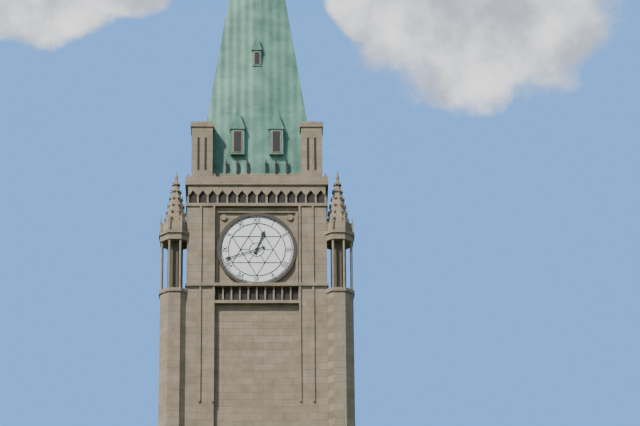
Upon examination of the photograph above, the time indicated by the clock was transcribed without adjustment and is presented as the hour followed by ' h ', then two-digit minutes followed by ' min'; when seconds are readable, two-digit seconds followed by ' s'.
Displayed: 12 h 42 min
